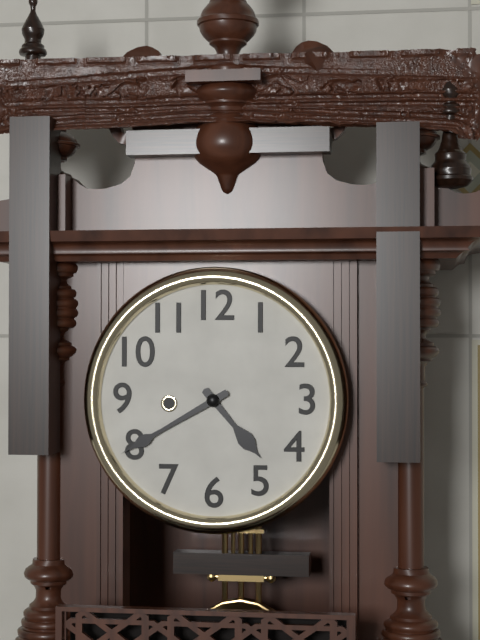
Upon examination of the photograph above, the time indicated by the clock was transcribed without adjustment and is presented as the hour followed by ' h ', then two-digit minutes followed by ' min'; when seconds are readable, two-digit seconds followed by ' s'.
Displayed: 4 h 40 min
